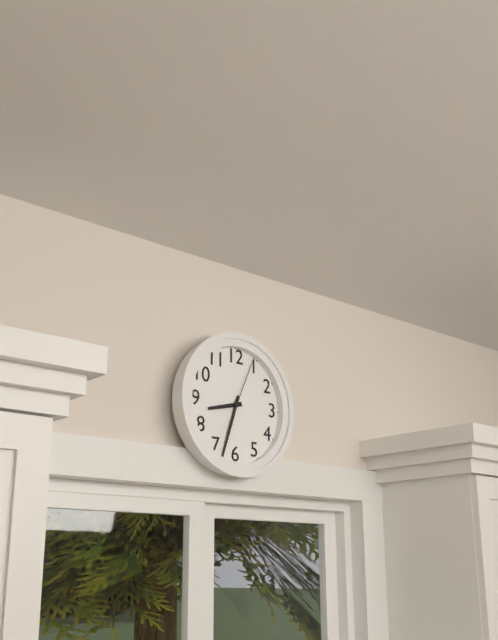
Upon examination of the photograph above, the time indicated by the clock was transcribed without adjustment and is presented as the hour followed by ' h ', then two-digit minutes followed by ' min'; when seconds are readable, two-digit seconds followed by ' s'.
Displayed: 8 h 33 min 04 s
